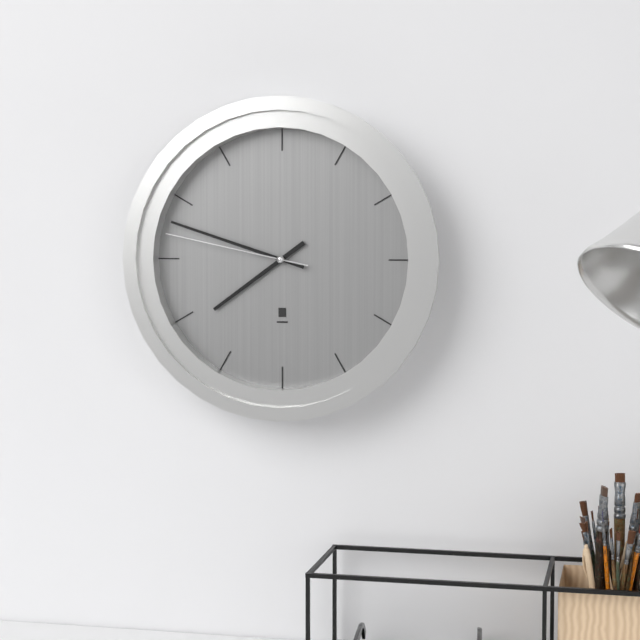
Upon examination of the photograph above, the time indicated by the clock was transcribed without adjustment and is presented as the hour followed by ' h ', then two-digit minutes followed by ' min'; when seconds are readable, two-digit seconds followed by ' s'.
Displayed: 7 h 48 min 47 s
